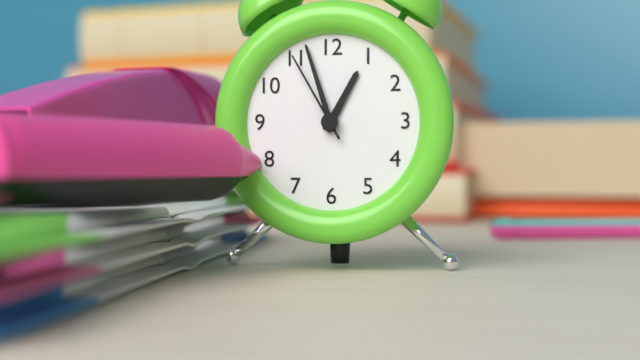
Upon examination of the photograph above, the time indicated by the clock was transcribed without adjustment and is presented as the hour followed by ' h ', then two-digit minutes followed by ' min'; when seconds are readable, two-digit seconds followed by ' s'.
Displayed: 12 h 57 min 55 s
